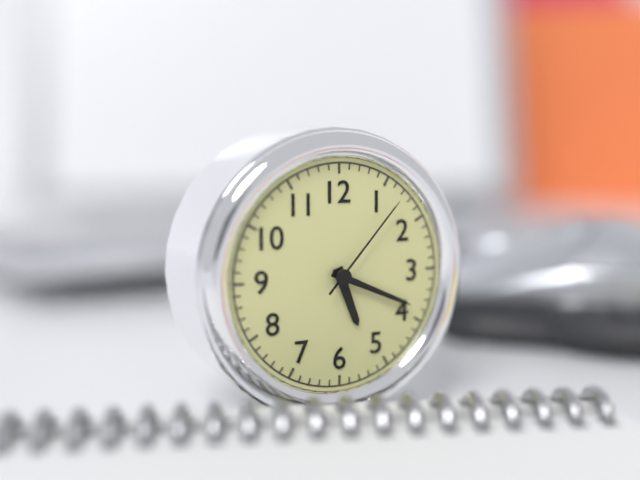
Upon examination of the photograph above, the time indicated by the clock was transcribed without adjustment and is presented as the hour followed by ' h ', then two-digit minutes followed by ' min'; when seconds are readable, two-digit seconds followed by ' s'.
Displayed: 5 h 19 min 07 s
